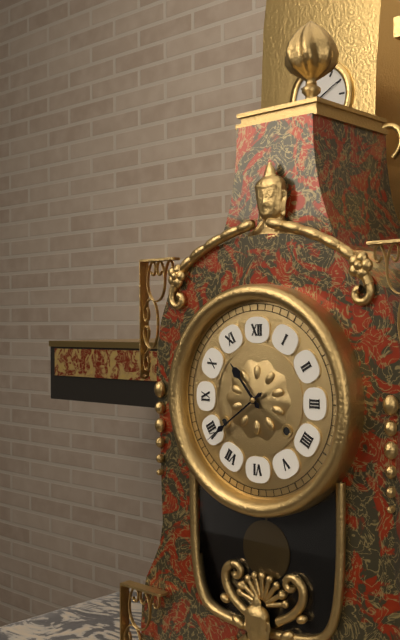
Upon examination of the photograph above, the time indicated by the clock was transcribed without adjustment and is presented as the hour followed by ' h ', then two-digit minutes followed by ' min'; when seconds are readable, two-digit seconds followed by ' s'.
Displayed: 10 h 39 min
